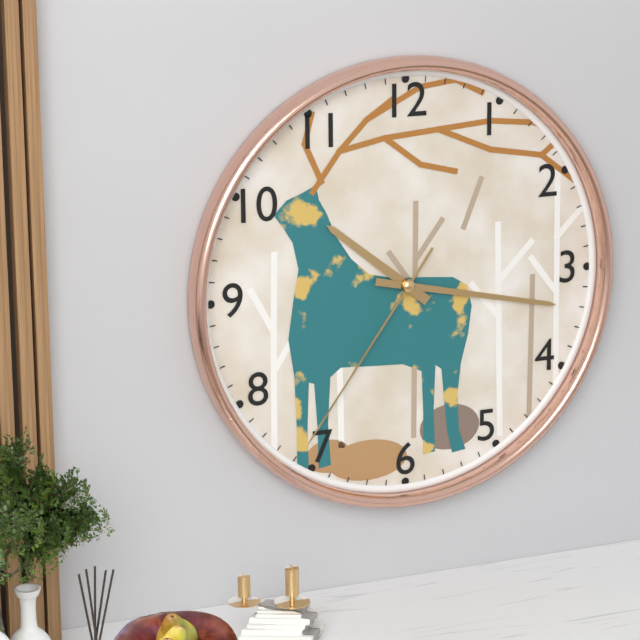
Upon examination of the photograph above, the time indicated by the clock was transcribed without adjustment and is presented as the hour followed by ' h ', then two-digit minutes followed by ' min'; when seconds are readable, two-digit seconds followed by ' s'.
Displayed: 10 h 17 min 36 s
